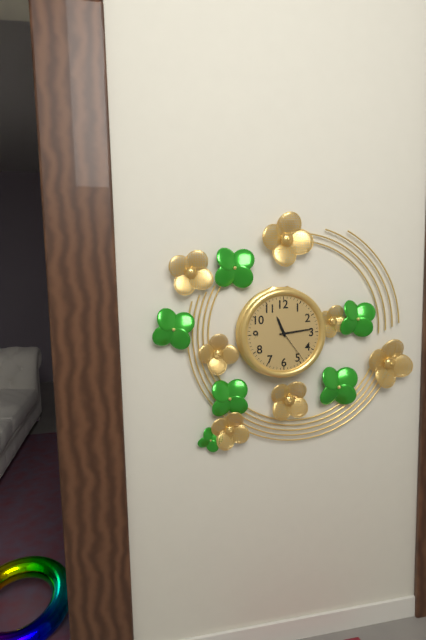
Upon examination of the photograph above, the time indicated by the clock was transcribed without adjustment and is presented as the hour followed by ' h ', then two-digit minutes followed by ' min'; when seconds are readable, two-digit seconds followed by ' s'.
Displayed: 11 h 14 min
